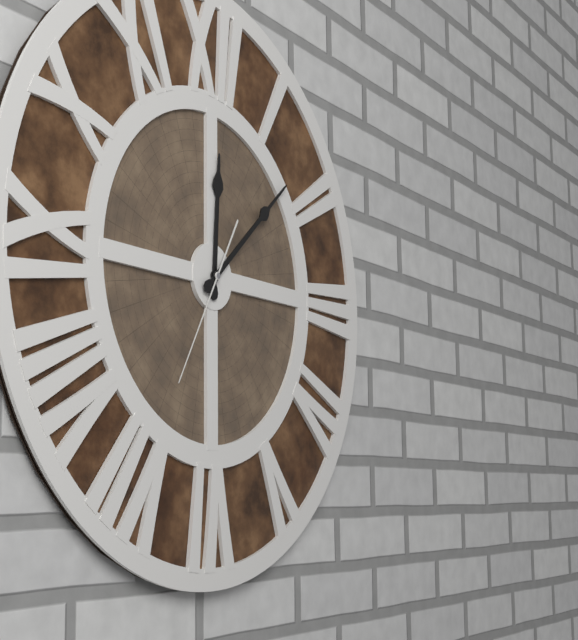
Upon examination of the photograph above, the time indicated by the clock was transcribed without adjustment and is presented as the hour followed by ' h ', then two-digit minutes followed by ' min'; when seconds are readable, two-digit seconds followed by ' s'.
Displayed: 12 h 08 min 35 s
